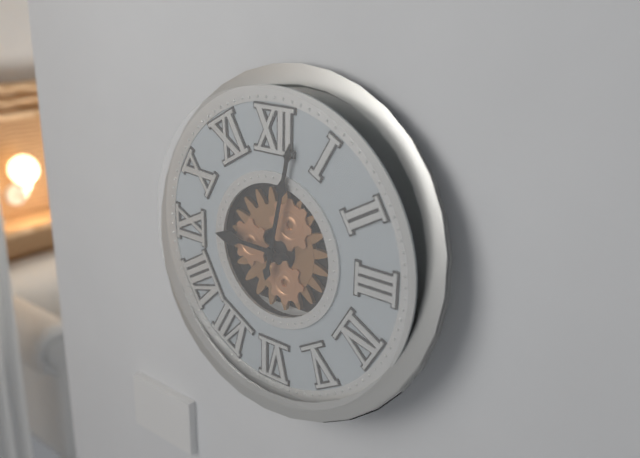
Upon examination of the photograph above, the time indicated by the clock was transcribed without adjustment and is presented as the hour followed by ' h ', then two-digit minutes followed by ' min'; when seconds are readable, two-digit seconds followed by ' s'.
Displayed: 9 h 02 min
